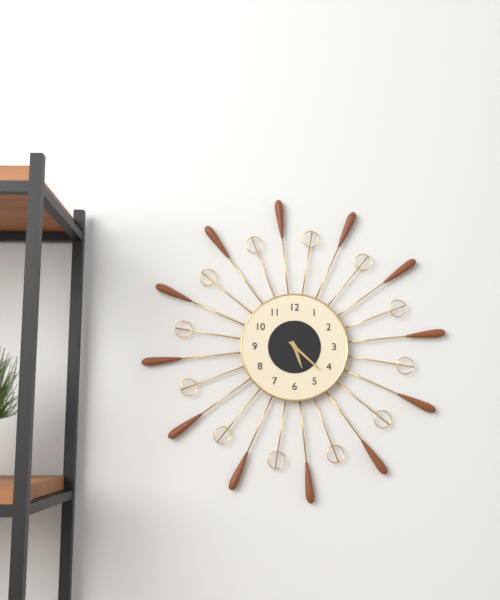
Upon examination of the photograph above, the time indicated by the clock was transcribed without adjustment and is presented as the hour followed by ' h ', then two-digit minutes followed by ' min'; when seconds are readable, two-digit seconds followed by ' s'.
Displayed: 5 h 22 min
